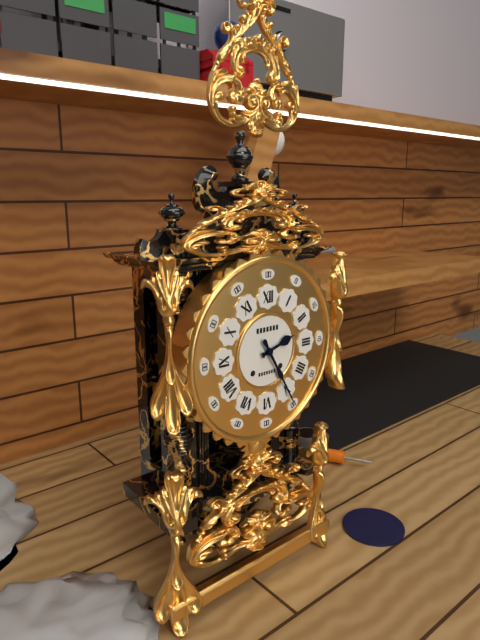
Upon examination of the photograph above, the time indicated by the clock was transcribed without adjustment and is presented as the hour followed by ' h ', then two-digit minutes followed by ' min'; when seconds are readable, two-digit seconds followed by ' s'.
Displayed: 2 h 25 min
